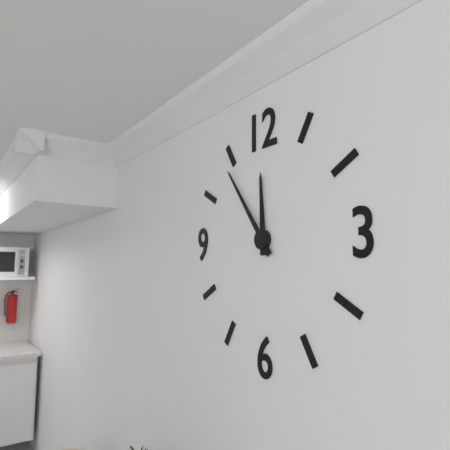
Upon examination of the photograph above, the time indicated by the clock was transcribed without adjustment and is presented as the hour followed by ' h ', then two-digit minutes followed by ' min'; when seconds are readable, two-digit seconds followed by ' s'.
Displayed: 11 h 54 min
